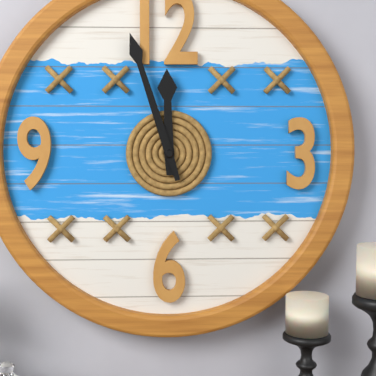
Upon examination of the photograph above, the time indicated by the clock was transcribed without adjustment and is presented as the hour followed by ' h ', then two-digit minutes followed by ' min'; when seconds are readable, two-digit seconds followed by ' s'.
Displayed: 11 h 57 min
